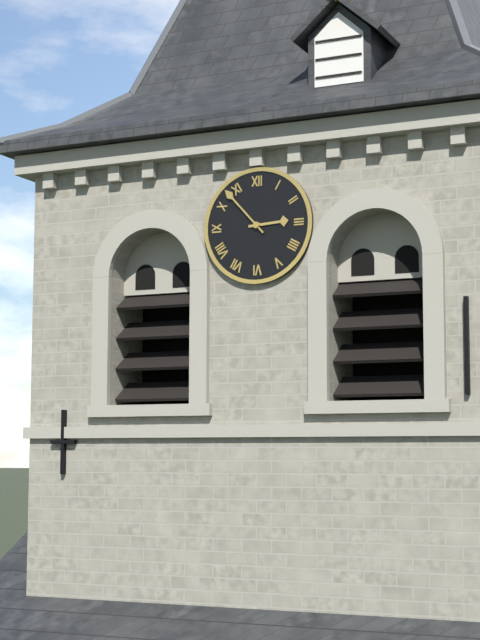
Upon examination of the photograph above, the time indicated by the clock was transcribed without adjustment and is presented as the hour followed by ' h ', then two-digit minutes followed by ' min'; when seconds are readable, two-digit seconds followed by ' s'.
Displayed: 2 h 53 min
